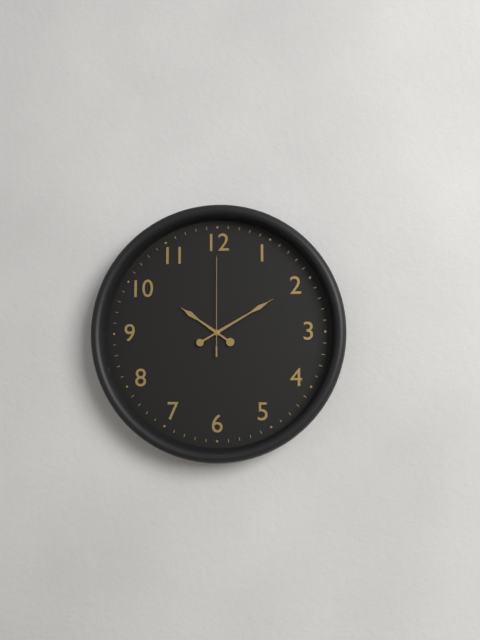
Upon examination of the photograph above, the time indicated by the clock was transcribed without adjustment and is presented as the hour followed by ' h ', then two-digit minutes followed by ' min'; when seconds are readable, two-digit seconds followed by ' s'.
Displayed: 10 h 10 min 00 s
